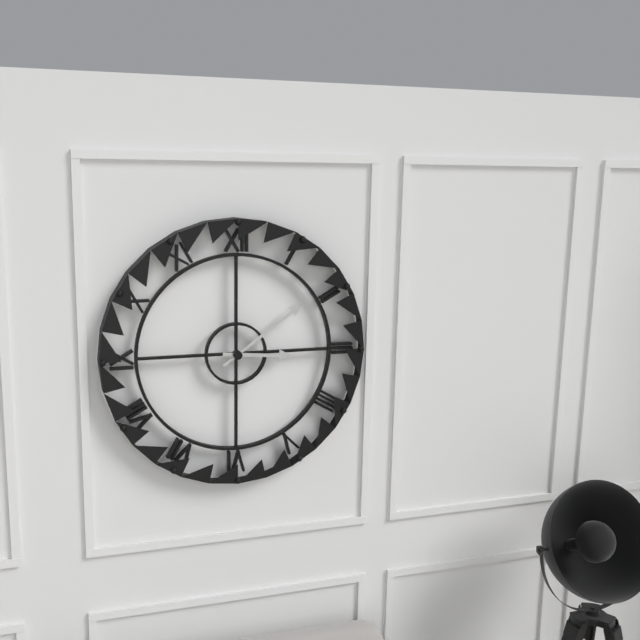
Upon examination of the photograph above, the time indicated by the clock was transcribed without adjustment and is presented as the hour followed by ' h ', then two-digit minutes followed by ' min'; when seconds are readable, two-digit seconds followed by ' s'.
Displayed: 3 h 09 min
